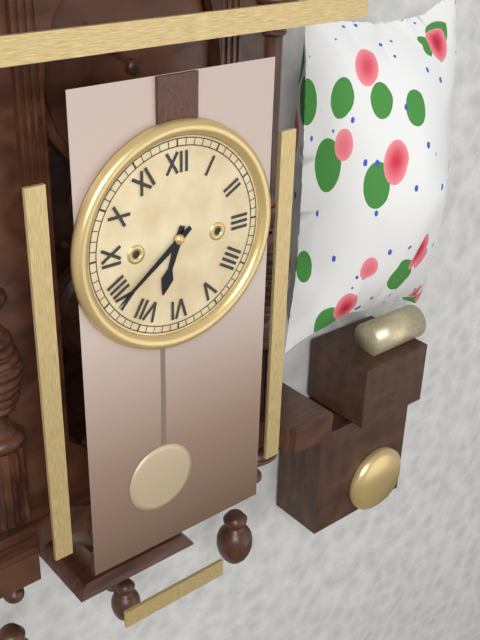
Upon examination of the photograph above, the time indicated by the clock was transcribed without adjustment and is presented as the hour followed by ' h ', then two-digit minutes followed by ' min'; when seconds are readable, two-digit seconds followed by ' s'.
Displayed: 6 h 39 min
